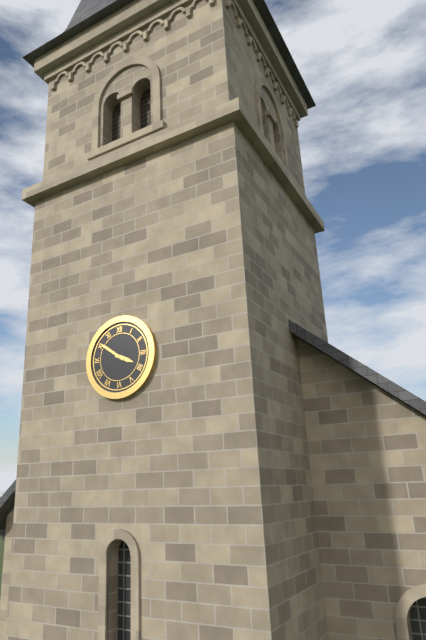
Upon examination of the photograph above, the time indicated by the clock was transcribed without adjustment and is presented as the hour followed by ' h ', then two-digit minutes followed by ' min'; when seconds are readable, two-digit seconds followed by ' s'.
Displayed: 3 h 51 min
